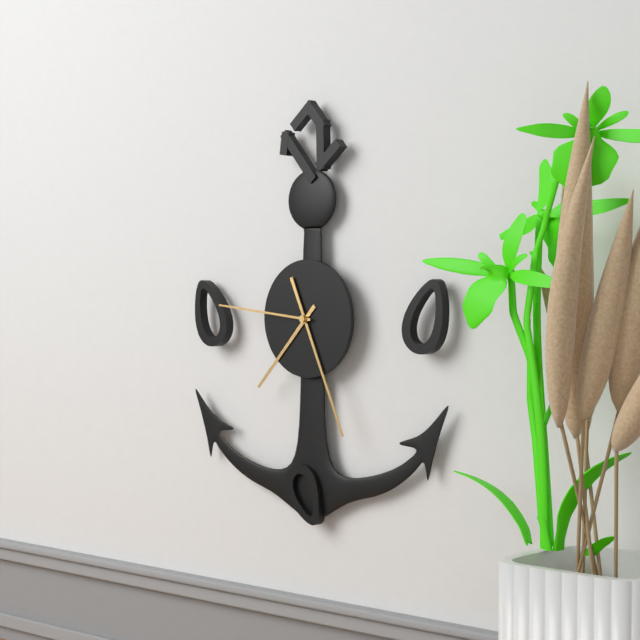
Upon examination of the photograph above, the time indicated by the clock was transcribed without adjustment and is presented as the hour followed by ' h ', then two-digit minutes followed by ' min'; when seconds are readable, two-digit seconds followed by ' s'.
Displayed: 7 h 26 min 46 s
